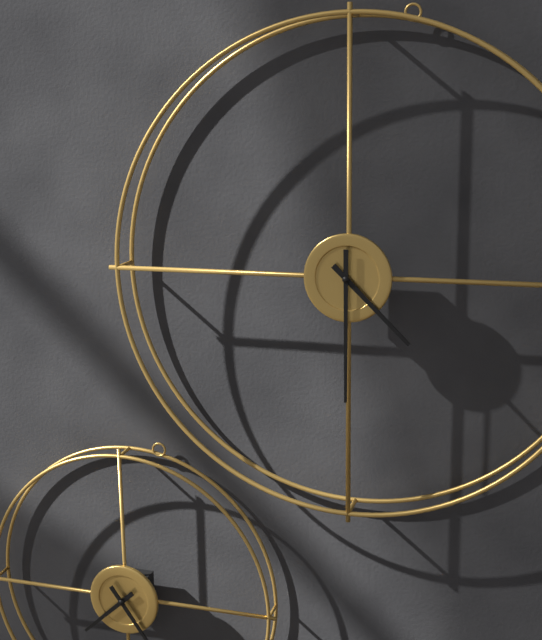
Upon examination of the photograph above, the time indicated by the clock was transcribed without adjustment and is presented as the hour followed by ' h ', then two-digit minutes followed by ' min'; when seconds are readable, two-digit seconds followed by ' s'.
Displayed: 4 h 30 min
